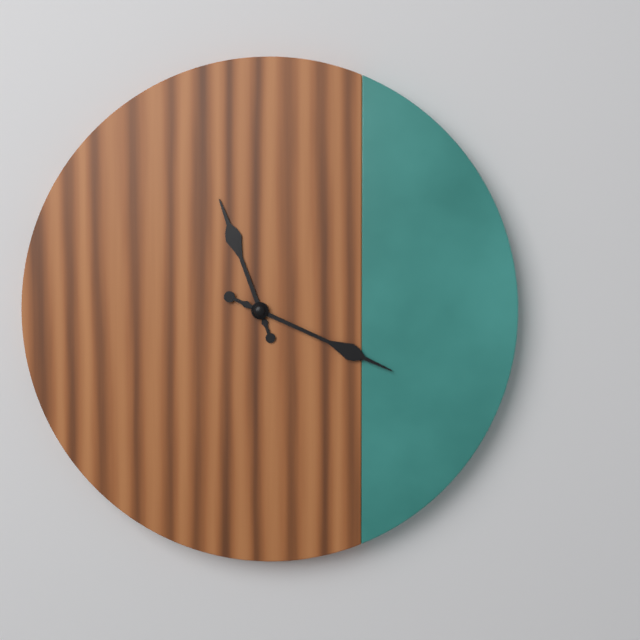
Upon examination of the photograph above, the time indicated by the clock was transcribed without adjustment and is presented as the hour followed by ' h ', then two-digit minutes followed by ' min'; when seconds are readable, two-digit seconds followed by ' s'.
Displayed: 11 h 19 min
